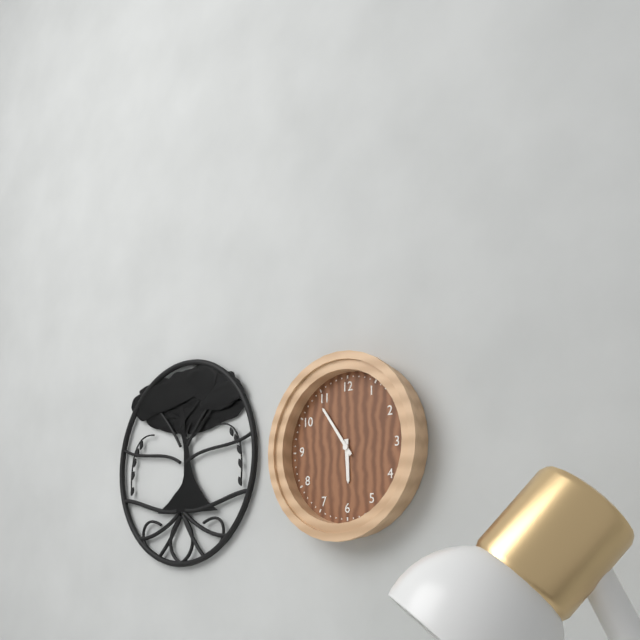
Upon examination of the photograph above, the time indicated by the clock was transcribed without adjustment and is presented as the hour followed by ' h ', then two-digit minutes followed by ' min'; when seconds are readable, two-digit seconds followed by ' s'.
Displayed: 5 h 54 min
